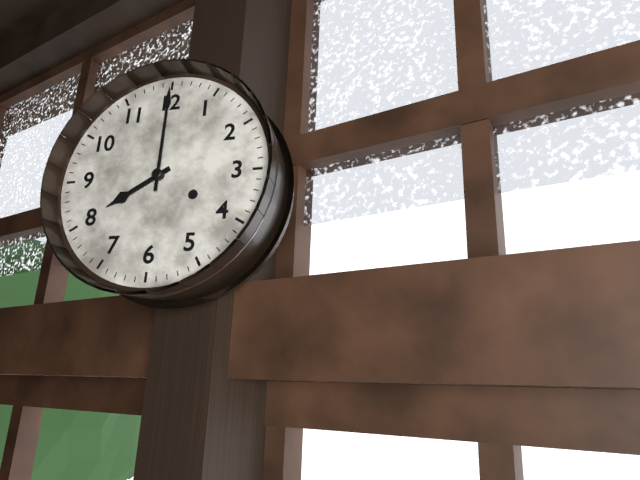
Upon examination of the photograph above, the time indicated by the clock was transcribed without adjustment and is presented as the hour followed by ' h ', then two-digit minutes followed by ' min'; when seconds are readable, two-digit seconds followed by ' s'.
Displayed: 8 h 00 min
